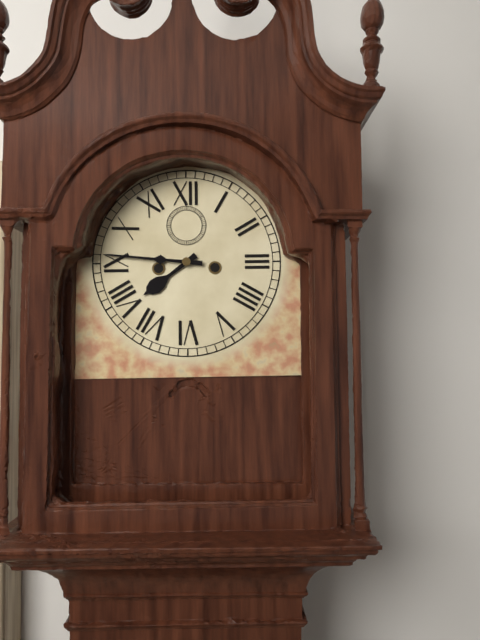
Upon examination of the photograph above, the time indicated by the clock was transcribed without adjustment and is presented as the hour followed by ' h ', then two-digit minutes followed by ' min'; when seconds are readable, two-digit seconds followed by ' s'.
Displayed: 7 h 46 min
